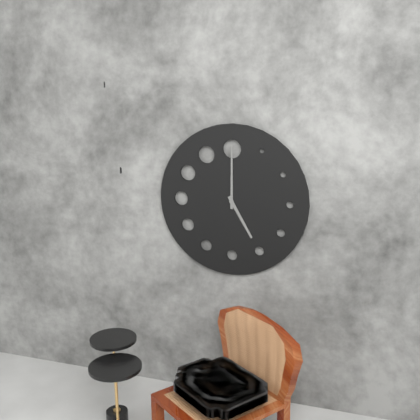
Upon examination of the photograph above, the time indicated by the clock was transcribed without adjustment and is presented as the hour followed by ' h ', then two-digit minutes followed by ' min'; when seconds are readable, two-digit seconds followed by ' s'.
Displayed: 5 h 00 min
